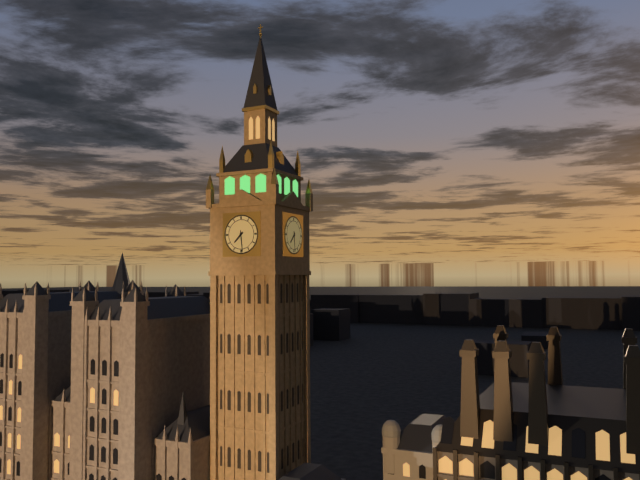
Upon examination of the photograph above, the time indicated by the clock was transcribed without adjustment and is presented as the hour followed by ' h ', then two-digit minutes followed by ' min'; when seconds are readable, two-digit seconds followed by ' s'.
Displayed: 7 h 29 min
